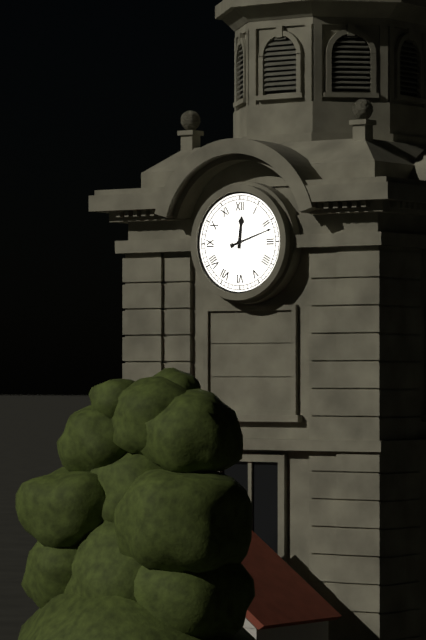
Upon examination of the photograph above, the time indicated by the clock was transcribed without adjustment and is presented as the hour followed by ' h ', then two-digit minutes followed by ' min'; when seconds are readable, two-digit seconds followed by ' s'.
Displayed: 12 h 12 min
